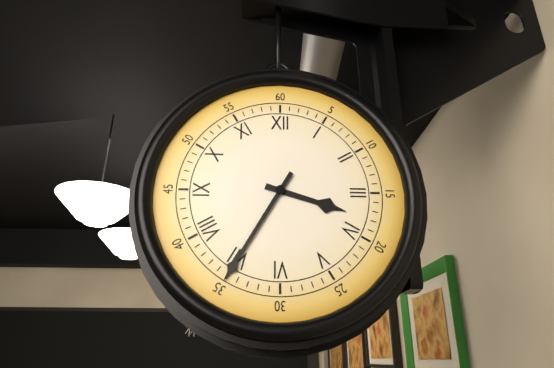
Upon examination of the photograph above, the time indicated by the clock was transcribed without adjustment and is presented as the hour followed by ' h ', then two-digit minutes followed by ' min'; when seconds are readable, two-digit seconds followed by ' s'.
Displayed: 3 h 35 min
